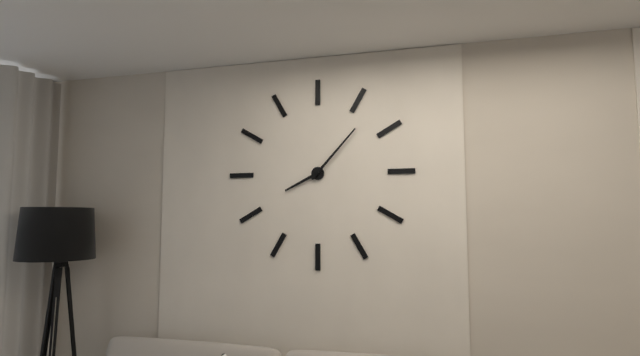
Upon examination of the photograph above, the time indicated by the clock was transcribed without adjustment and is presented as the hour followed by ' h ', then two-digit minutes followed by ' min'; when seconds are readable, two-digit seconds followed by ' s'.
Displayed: 8 h 07 min
